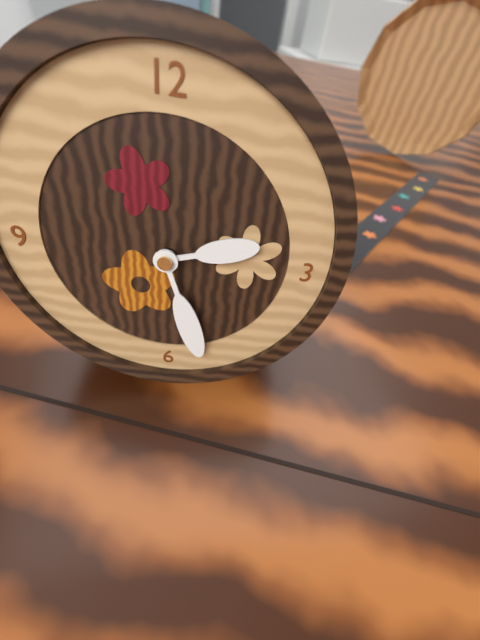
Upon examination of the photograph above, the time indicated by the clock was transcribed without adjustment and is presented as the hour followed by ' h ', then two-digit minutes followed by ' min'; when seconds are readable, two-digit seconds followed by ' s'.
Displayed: 2 h 27 min
